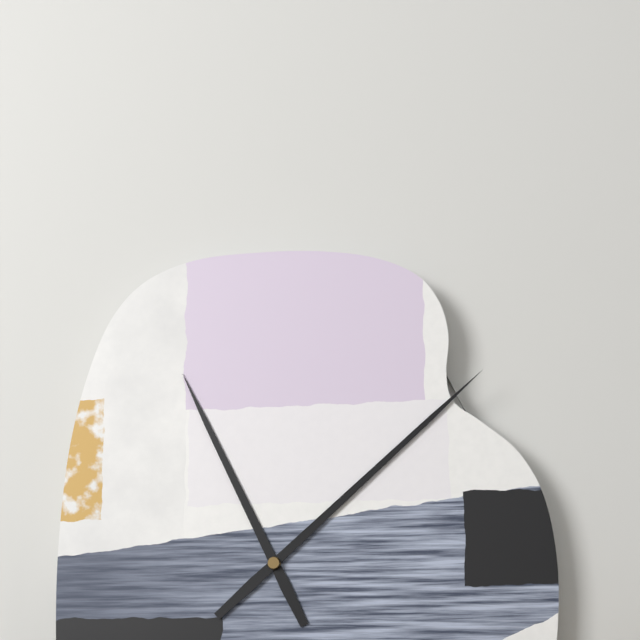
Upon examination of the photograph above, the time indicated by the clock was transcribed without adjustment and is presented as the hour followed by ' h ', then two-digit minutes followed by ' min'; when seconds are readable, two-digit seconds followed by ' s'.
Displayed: 11 h 08 min
